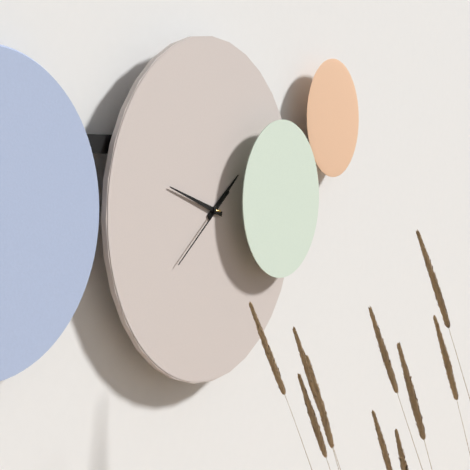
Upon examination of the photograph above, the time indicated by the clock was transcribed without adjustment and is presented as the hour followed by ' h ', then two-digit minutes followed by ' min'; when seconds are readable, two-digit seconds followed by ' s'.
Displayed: 1 h 48 min 39 s
